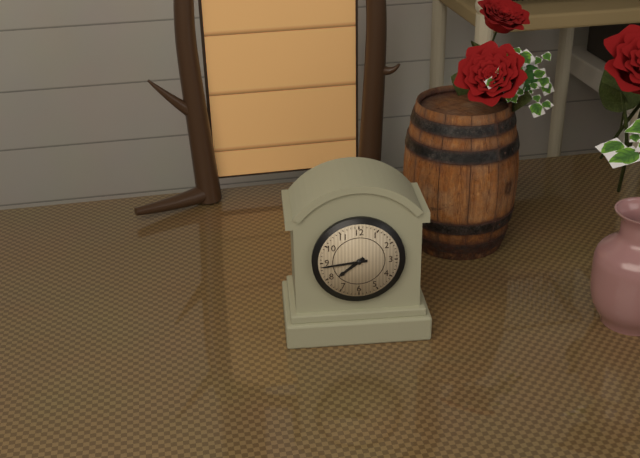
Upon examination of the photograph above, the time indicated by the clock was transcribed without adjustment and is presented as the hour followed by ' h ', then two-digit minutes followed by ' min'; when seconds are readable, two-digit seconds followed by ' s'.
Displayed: 7 h 44 min
